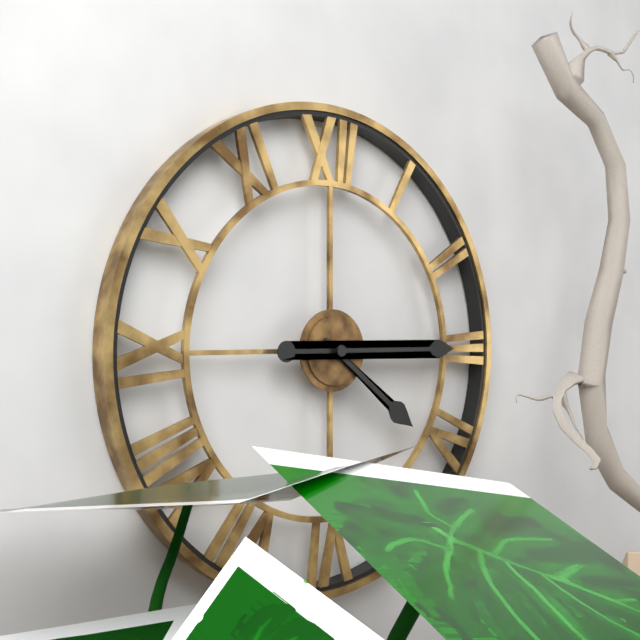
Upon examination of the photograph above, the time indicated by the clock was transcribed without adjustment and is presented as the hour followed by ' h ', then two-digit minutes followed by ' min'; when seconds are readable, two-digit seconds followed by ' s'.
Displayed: 4 h 15 min
